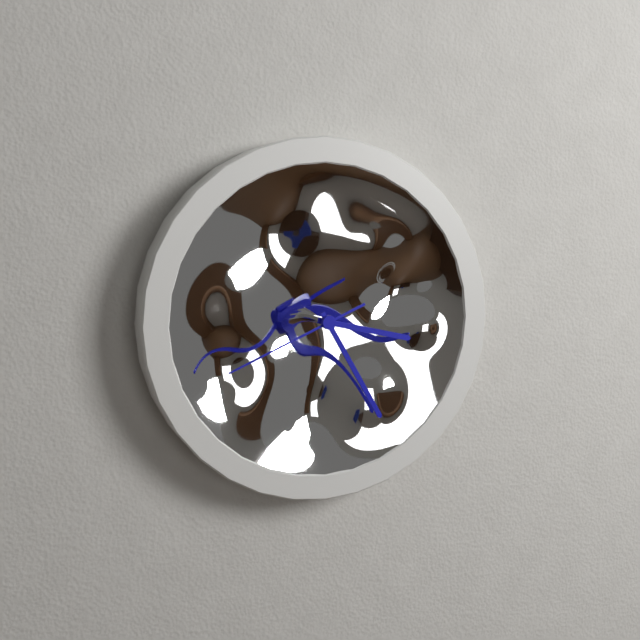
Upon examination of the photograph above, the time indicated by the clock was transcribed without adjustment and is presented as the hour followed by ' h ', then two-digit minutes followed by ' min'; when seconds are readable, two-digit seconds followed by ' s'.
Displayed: 3 h 25 min 41 s
